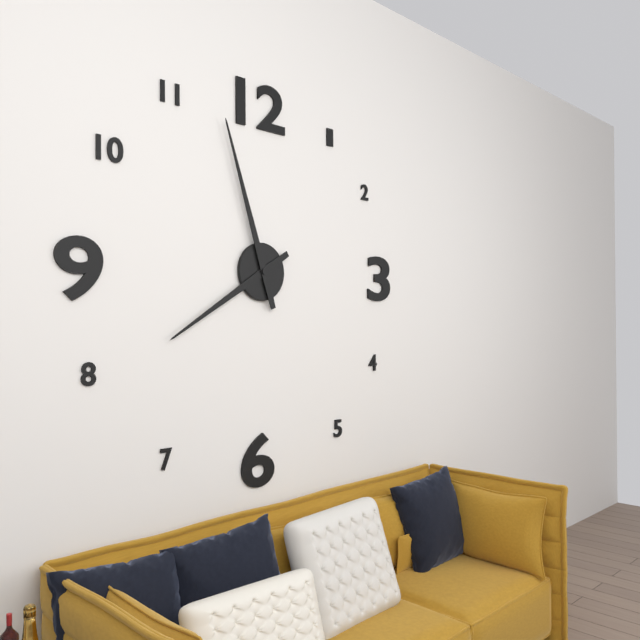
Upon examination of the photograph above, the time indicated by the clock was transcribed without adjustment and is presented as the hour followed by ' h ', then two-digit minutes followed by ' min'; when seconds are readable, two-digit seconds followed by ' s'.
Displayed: 7 h 57 min
